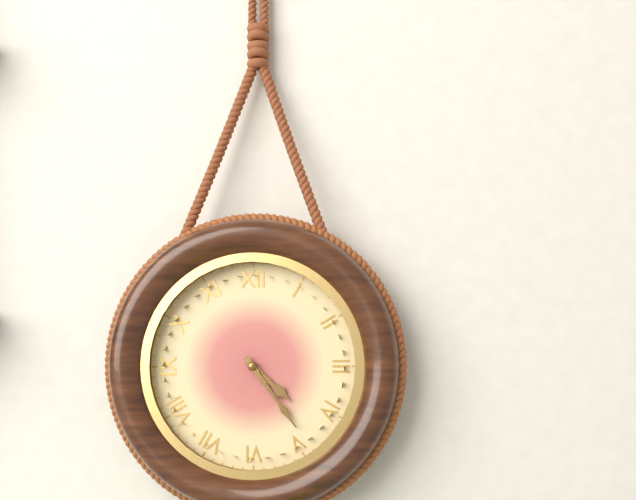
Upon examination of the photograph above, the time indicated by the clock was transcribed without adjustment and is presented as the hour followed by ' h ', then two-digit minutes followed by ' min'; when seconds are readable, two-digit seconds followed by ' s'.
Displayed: 4 h 24 min
